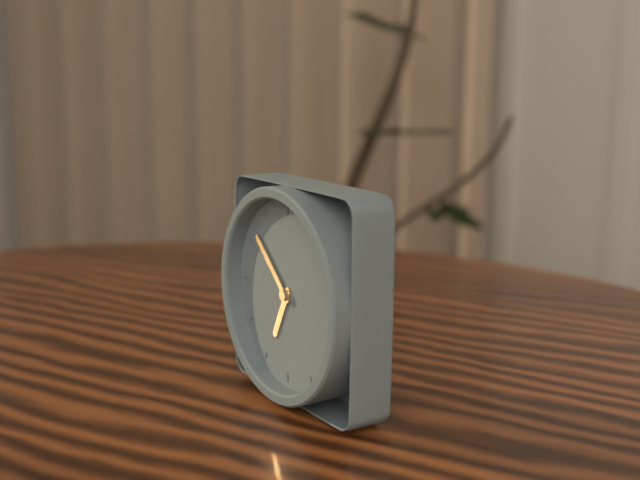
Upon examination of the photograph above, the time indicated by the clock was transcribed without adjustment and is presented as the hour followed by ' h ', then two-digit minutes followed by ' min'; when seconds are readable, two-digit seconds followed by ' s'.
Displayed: 6 h 52 min
